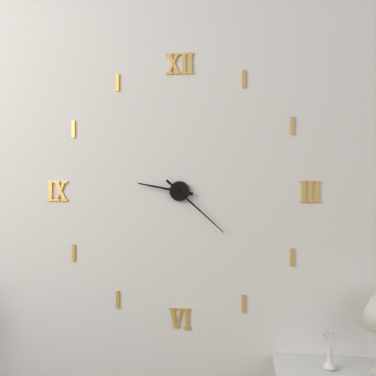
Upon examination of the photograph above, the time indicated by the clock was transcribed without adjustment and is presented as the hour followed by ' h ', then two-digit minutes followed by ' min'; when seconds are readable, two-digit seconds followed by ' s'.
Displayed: 9 h 22 min
